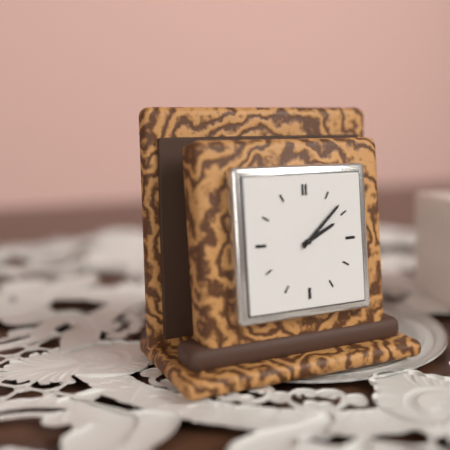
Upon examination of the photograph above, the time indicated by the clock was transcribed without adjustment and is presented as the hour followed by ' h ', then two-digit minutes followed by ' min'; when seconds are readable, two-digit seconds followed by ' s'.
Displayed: 2 h 08 min
